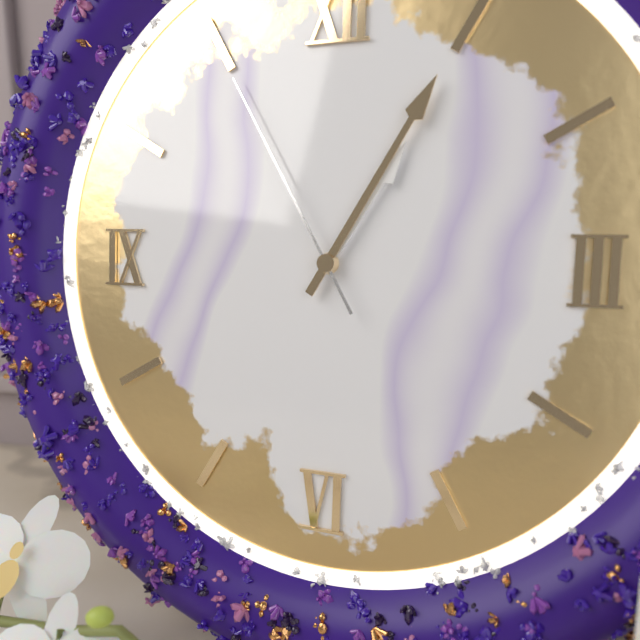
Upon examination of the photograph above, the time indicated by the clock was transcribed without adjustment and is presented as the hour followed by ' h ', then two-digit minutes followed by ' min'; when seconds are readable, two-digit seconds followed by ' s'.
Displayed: 1 h 05 min 55 s
